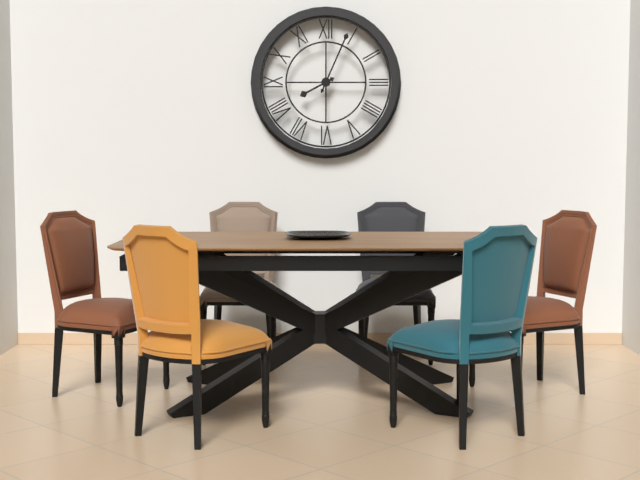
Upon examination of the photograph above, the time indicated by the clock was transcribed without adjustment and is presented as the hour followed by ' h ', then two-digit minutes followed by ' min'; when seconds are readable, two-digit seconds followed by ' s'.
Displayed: 8 h 04 min
